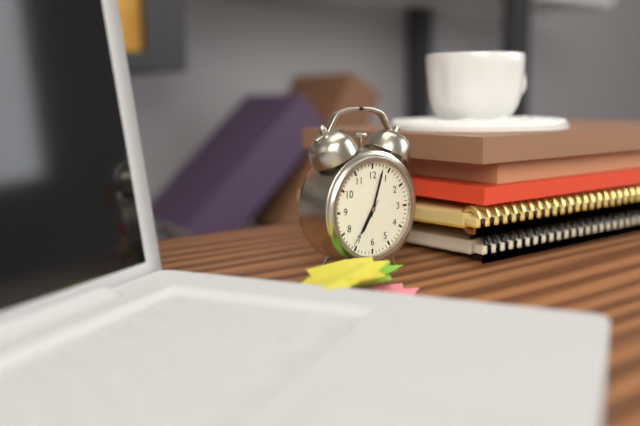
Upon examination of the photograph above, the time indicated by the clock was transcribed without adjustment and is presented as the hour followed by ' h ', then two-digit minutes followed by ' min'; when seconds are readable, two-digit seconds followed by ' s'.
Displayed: 7 h 03 min 36 s
